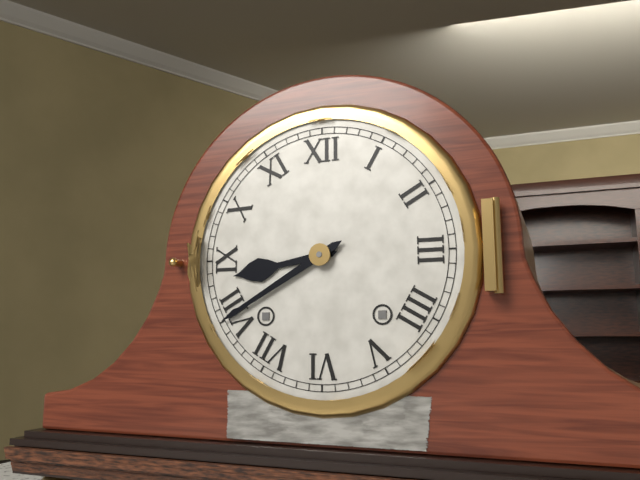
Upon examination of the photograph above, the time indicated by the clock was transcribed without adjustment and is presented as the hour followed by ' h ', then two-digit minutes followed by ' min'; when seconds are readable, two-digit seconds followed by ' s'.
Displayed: 8 h 40 min
